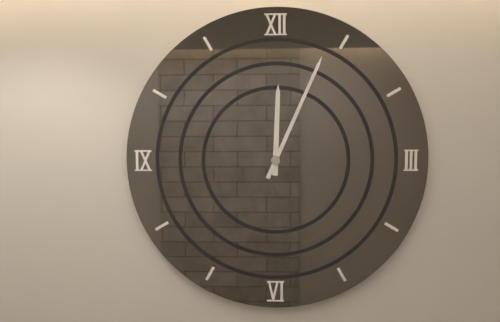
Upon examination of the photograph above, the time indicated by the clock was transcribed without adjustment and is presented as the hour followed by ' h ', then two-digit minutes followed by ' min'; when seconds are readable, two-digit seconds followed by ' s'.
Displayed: 12 h 04 min
